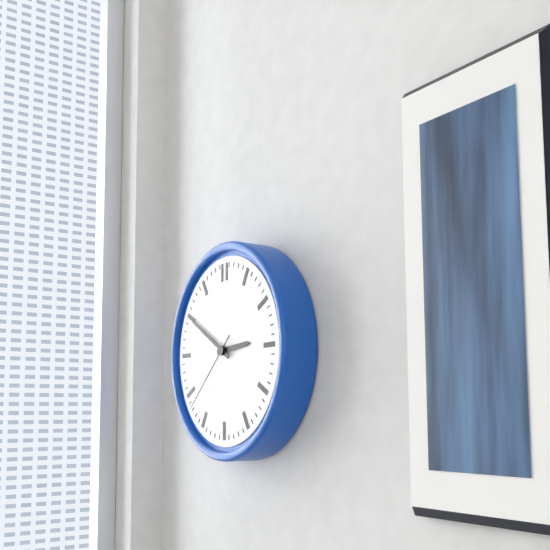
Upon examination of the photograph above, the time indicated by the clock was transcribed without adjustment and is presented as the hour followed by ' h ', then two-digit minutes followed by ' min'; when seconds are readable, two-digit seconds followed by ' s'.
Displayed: 2 h 50 min 38 s
